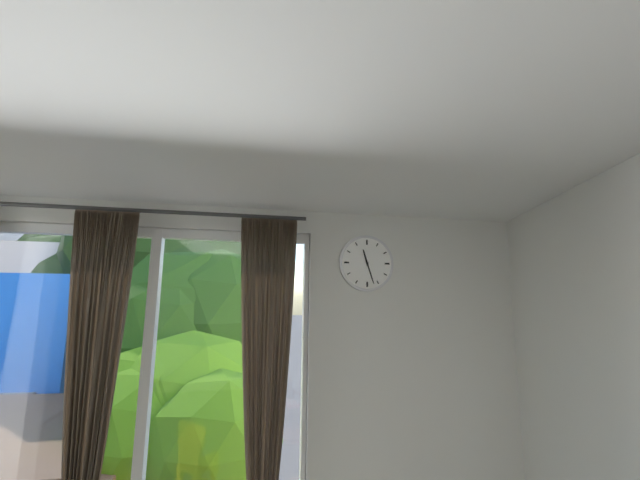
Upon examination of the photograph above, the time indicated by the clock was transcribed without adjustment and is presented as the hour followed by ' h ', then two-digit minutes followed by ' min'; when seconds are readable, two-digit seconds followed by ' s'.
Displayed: 11 h 27 min
